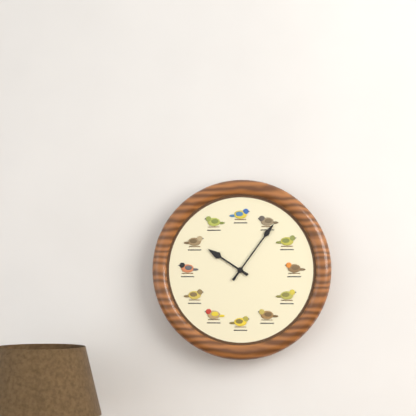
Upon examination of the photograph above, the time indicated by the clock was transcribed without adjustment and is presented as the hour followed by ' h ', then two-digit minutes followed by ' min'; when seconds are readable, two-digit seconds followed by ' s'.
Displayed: 10 h 06 min
